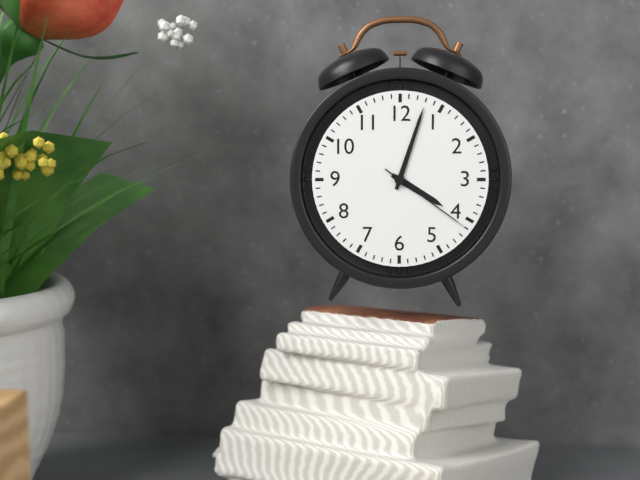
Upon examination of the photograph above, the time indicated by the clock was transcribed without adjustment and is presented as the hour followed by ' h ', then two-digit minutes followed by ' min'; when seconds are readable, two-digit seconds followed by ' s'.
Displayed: 4 h 03 min 21 s
